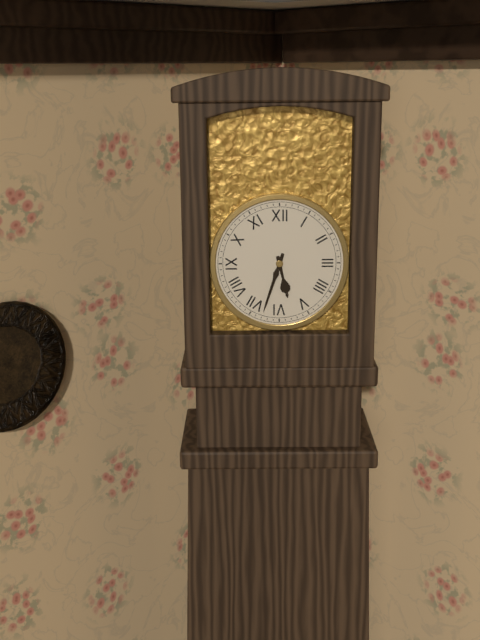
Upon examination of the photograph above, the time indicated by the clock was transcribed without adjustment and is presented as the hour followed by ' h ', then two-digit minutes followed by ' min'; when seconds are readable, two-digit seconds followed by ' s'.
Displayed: 5 h 33 min
